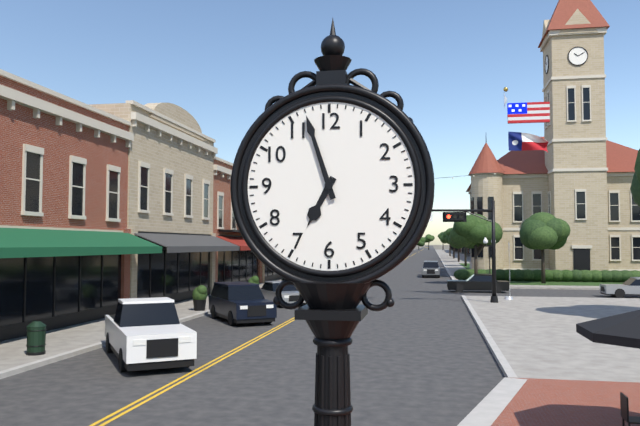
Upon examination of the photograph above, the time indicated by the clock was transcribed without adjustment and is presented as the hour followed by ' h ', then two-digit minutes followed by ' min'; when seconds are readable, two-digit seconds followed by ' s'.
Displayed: 6 h 57 min
